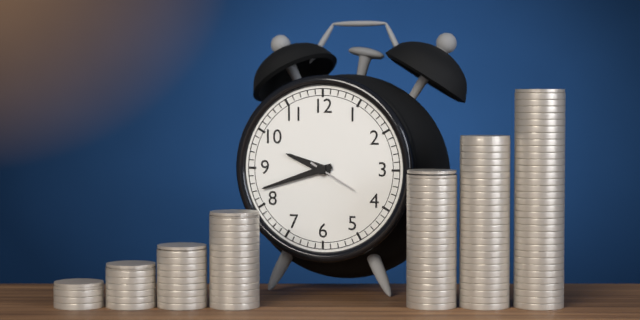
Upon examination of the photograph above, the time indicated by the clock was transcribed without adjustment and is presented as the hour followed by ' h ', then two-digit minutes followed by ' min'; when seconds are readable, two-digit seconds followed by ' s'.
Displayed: 9 h 42 min
